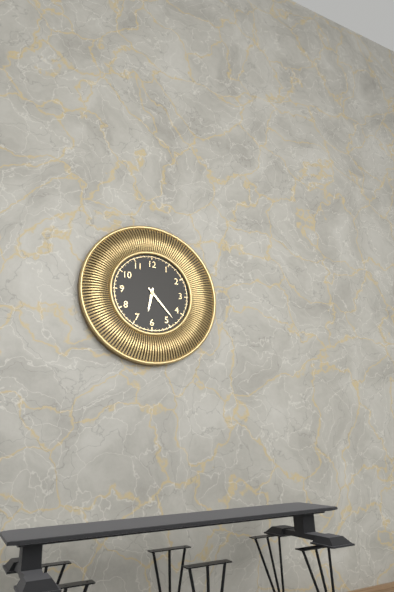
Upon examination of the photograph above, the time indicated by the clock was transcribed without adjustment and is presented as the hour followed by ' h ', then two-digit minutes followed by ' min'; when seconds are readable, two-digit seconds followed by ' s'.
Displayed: 6 h 23 min
